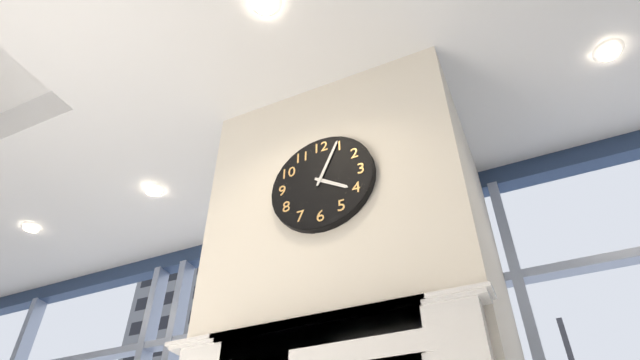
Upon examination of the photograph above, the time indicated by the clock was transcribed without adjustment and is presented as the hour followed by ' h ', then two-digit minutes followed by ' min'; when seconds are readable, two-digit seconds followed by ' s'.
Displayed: 4 h 04 min
